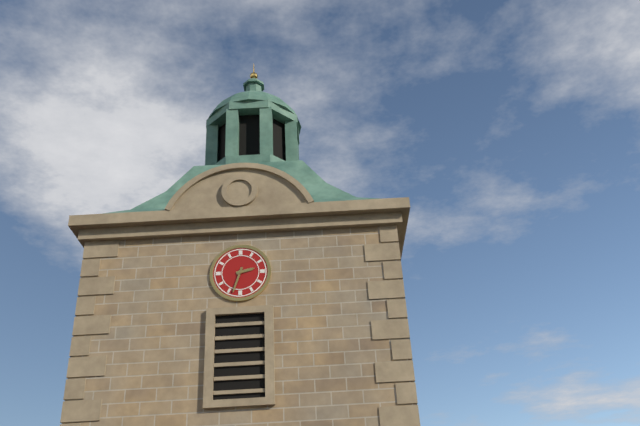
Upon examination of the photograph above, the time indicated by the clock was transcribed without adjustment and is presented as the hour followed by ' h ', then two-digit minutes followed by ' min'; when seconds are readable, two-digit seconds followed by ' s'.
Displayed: 2 h 33 min
